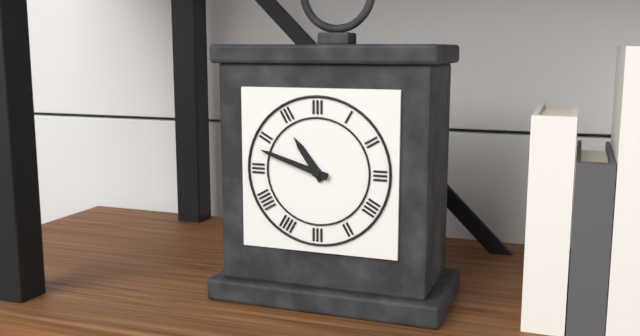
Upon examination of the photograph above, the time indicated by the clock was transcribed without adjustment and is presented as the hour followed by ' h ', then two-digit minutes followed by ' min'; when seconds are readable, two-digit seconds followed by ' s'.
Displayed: 10 h 48 min
